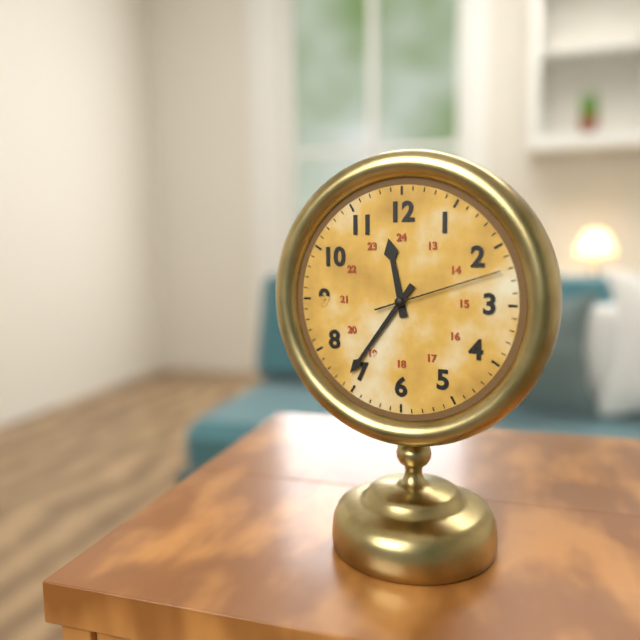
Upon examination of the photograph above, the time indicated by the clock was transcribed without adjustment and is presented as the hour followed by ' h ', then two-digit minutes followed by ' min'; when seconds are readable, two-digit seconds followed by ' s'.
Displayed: 11 h 36 min 12 s
